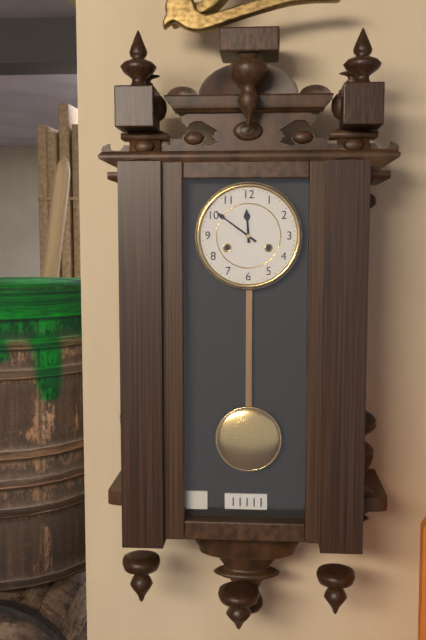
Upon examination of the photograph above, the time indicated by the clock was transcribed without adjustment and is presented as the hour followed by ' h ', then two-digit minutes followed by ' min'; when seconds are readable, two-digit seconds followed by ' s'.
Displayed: 11 h 51 min
